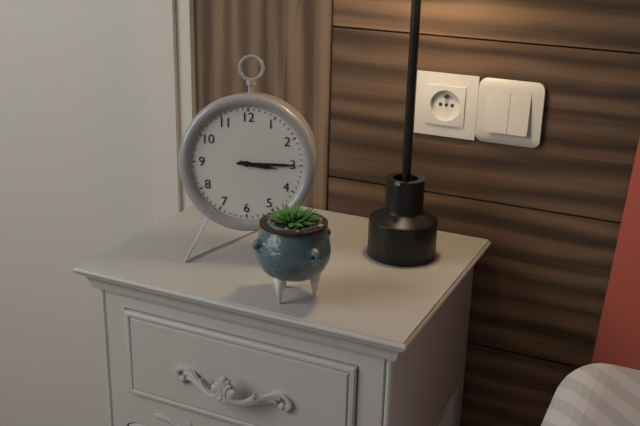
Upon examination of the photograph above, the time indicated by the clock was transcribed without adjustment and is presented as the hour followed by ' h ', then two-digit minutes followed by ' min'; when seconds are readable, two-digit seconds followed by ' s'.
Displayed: 3 h 15 min
